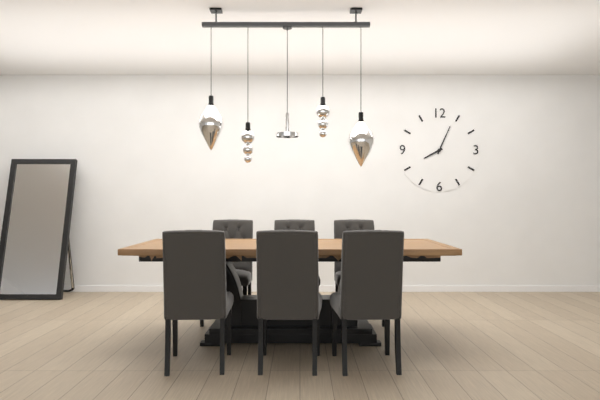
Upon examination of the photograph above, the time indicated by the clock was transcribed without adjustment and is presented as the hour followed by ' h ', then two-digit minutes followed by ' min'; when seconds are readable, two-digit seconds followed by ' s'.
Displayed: 8 h 04 min
